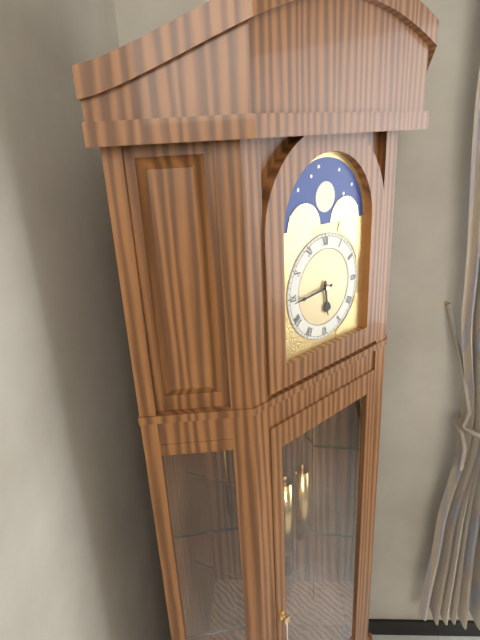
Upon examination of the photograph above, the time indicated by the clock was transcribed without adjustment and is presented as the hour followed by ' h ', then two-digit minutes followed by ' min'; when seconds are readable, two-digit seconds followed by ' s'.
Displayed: 5 h 44 min
